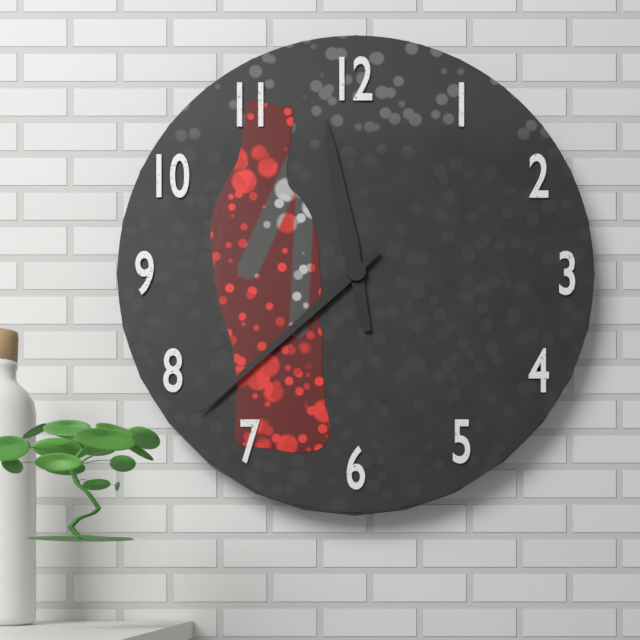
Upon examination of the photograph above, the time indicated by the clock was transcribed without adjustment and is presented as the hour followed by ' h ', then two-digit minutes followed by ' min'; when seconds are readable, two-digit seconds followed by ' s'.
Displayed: 11 h 38 min
